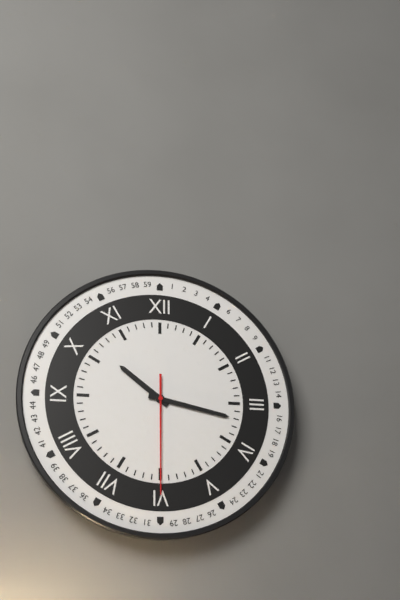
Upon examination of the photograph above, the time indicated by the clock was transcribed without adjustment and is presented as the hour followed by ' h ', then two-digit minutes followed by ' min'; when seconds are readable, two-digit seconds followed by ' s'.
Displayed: 10 h 17 min 30 s
